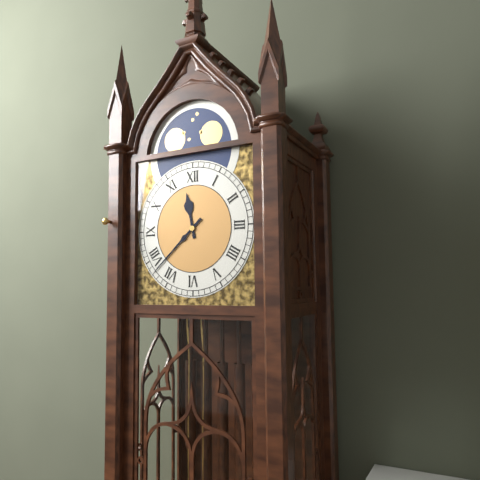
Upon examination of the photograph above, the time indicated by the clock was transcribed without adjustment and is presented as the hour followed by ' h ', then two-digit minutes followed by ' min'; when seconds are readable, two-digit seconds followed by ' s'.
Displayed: 11 h 38 min
